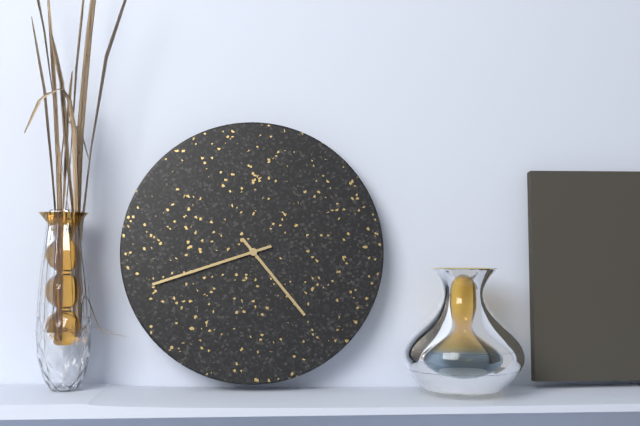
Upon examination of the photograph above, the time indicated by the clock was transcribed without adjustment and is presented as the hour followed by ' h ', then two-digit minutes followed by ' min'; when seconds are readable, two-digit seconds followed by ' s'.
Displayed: 4 h 42 min
